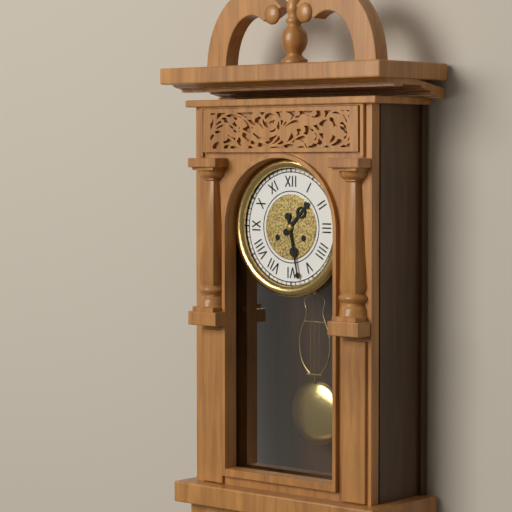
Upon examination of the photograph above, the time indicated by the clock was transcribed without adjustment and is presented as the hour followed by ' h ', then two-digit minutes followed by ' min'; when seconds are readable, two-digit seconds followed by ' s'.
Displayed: 1 h 28 min
